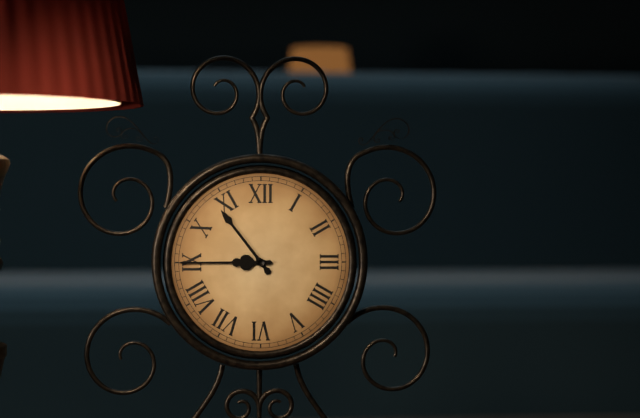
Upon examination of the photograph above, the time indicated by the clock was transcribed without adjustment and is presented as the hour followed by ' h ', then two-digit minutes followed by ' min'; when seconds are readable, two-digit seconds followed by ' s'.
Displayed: 10 h 45 min
